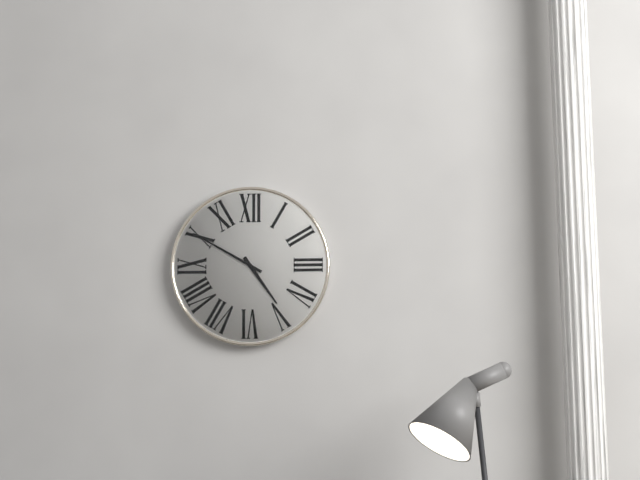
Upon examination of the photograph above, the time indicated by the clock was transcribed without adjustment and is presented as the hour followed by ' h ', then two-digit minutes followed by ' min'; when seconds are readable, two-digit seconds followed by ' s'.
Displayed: 4 h 50 min
